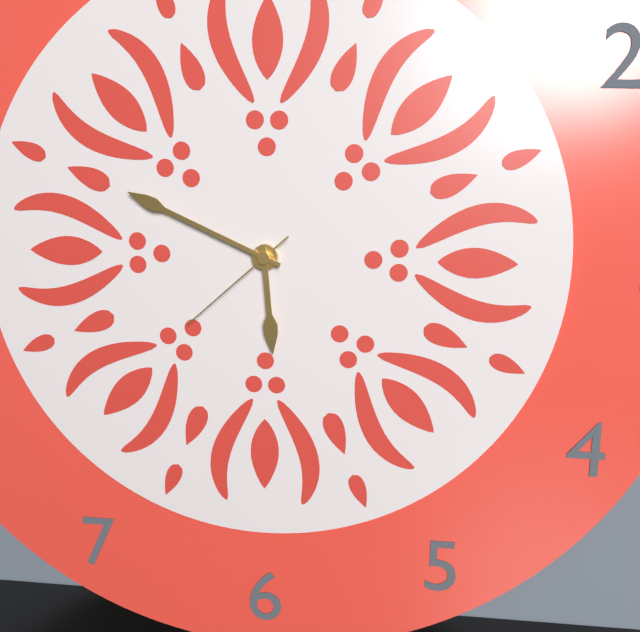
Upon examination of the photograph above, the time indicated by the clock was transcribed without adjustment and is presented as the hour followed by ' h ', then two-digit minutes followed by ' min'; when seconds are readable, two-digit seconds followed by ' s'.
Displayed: 5 h 49 min 38 s
